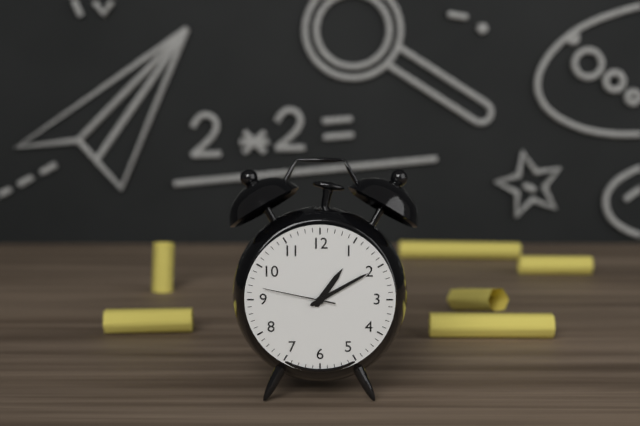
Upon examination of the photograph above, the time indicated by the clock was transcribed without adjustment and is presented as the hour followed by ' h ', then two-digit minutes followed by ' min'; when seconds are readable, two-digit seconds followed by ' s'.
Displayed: 1 h 10 min 47 s
